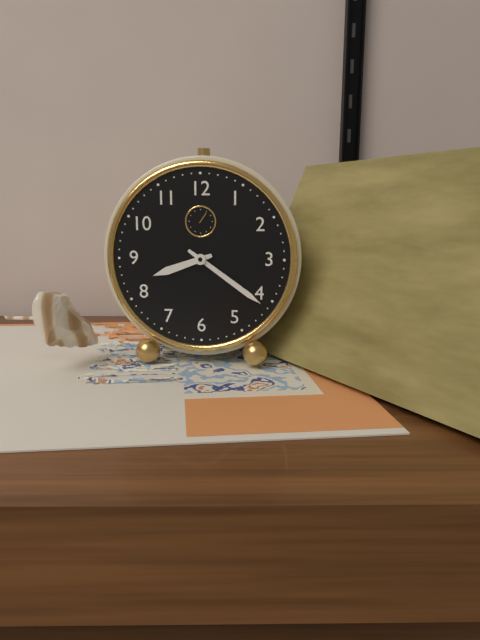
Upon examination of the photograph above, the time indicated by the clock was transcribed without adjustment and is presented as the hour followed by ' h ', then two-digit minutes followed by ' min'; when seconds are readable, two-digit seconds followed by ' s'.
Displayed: 8 h 21 min
